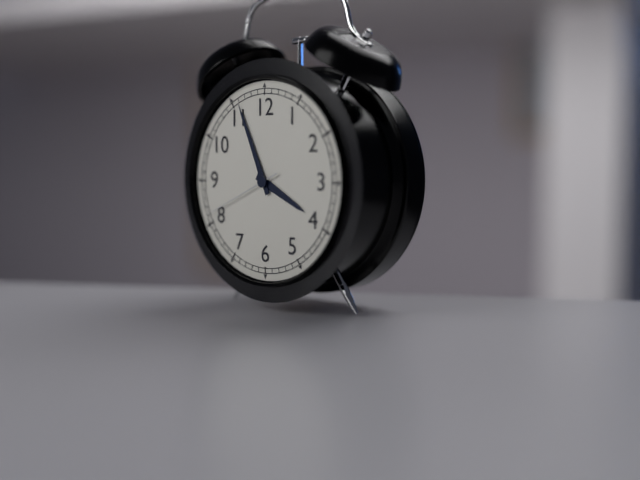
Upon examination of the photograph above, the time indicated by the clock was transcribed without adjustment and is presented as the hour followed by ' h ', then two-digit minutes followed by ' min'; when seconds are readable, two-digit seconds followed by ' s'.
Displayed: 3 h 56 min 41 s
